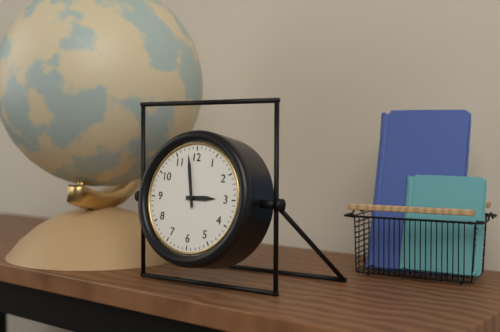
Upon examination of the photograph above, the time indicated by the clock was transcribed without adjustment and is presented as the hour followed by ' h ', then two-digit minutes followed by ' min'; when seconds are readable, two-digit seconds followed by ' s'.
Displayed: 2 h 58 min
